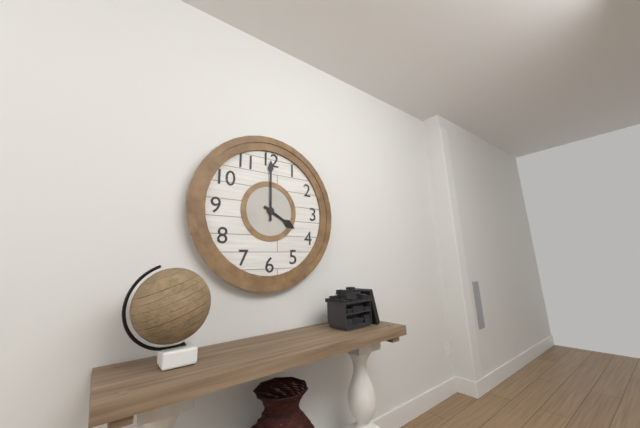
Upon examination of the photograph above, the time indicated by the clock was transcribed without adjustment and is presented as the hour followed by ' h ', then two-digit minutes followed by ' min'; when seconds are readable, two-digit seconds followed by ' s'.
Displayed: 4 h 00 min
